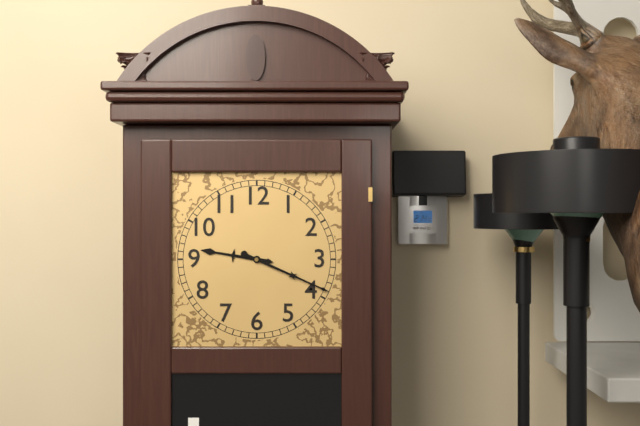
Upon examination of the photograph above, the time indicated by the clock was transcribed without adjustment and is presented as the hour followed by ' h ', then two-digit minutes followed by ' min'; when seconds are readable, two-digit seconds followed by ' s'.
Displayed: 9 h 19 min
